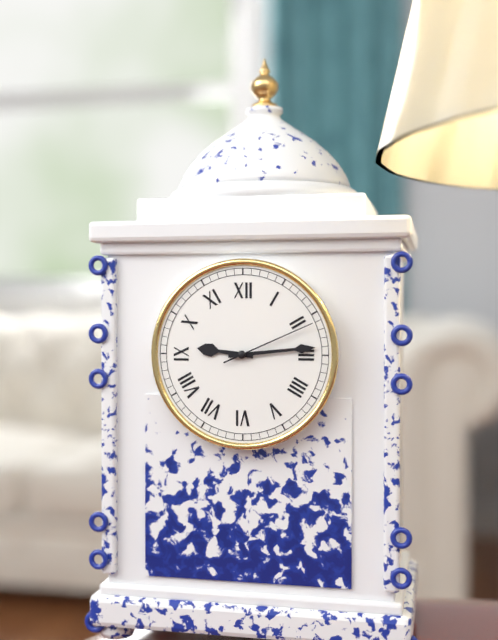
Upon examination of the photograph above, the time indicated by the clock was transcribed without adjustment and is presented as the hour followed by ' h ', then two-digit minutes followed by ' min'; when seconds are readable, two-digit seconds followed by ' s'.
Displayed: 9 h 14 min 11 s
